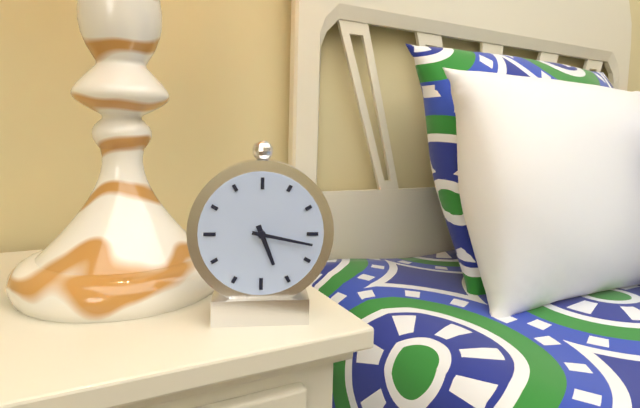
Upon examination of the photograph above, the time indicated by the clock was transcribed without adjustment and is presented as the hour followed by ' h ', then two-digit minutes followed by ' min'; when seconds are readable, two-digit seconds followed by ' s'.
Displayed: 5 h 17 min
